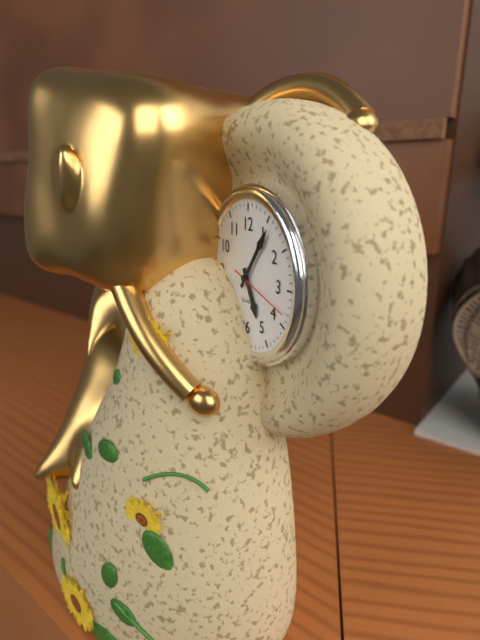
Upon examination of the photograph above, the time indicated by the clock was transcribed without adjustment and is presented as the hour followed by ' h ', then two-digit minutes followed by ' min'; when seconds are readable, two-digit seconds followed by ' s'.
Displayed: 5 h 06 min 18 s
